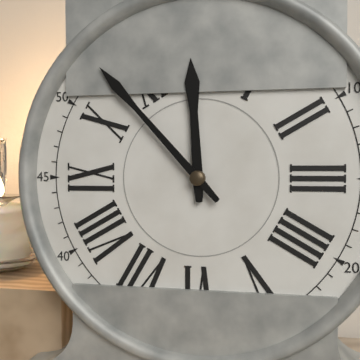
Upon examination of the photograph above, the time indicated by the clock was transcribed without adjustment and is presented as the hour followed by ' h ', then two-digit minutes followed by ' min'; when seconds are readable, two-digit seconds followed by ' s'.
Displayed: 11 h 53 min
